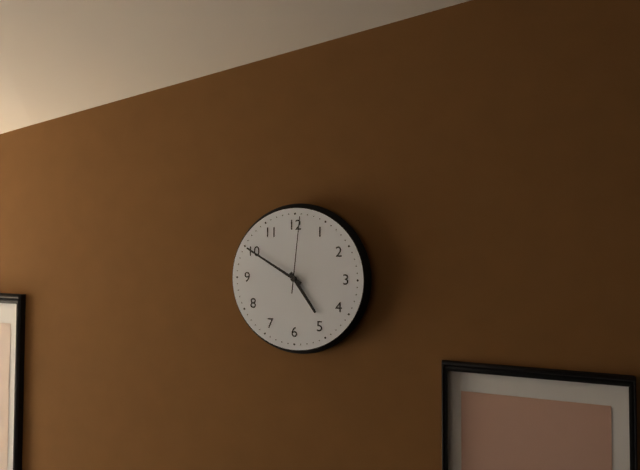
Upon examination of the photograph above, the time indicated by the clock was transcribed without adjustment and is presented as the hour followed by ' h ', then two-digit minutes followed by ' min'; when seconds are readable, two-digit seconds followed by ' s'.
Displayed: 4 h 50 min 01 s
